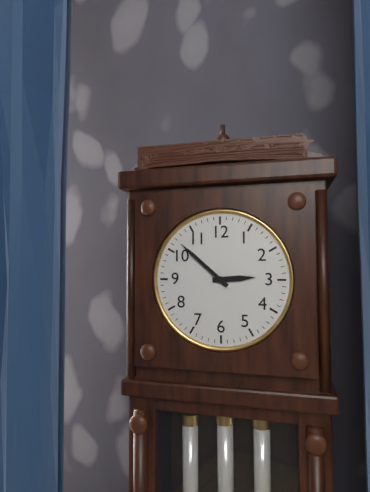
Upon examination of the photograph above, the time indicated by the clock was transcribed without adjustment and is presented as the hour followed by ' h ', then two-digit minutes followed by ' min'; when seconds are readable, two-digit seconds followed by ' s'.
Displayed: 2 h 52 min
